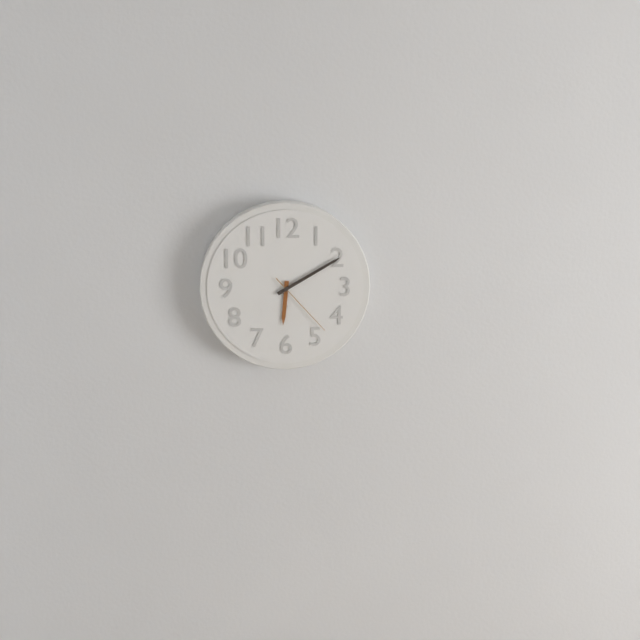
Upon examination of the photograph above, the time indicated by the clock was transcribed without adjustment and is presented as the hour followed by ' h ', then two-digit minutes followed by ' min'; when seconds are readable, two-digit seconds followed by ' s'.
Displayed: 6 h 10 min 23 s
